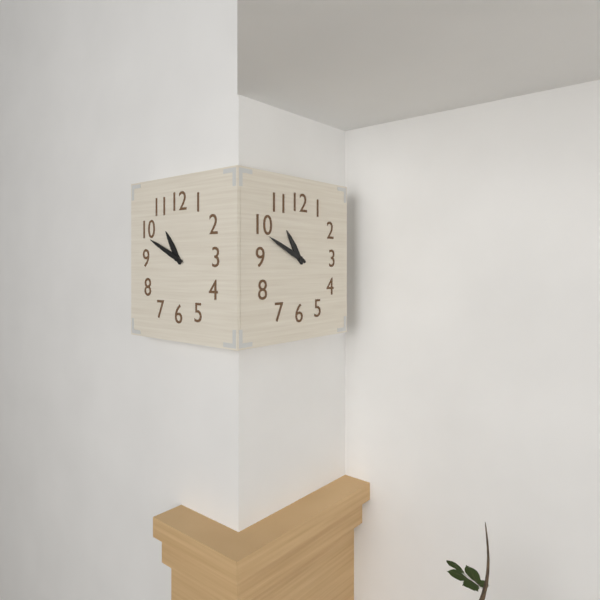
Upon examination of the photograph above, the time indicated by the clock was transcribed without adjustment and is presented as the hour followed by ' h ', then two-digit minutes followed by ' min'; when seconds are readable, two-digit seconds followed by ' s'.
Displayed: 10 h 49 min
